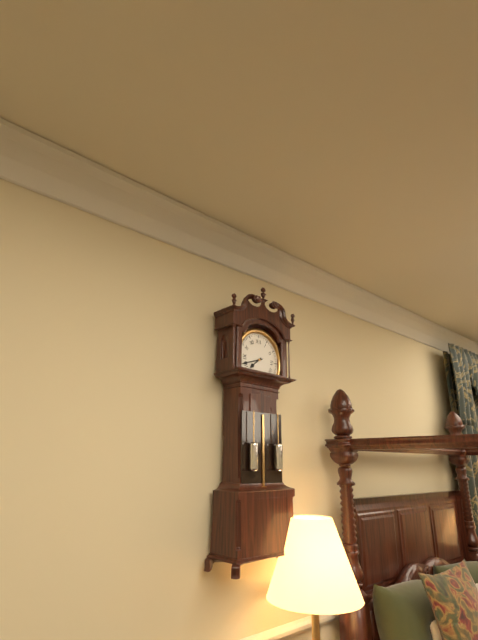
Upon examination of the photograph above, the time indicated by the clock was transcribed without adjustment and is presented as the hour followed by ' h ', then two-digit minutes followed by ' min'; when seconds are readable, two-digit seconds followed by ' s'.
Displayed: 7 h 42 min
